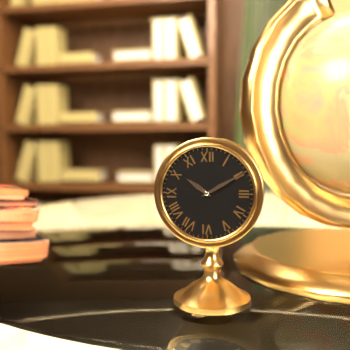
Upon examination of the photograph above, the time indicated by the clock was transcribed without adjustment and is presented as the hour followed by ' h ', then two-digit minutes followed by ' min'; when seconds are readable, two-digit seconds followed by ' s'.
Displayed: 10 h 10 min
